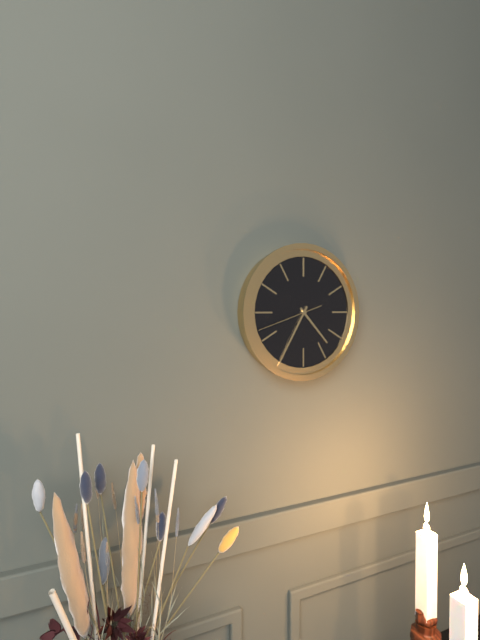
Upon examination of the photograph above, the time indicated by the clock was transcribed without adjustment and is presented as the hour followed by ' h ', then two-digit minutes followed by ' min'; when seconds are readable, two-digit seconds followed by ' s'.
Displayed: 4 h 35 min 42 s
